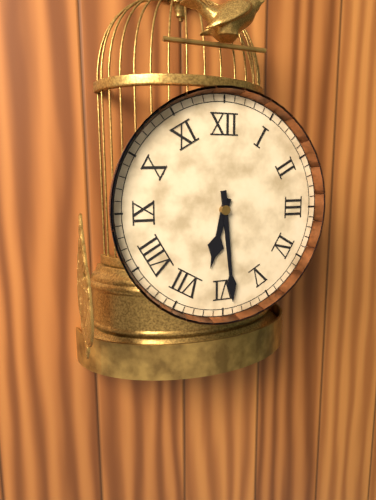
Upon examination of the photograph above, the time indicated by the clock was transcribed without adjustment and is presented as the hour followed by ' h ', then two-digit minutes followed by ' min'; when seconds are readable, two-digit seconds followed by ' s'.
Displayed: 6 h 29 min
